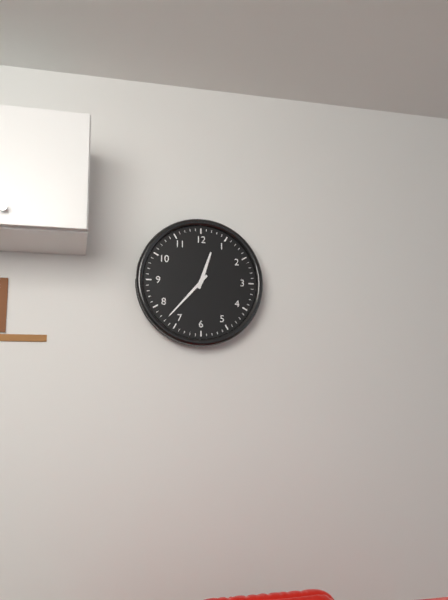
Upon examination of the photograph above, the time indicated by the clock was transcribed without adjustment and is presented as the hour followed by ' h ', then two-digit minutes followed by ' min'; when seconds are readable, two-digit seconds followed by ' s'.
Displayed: 12 h 37 min
